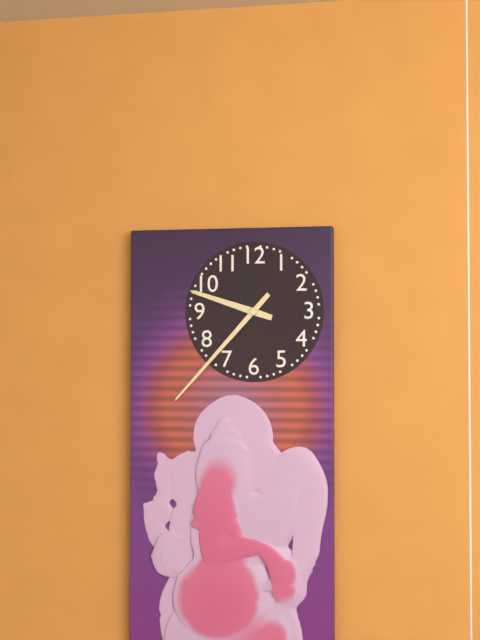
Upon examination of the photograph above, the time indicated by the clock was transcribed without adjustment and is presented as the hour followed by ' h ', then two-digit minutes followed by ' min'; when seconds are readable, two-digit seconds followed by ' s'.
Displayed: 9 h 37 min
